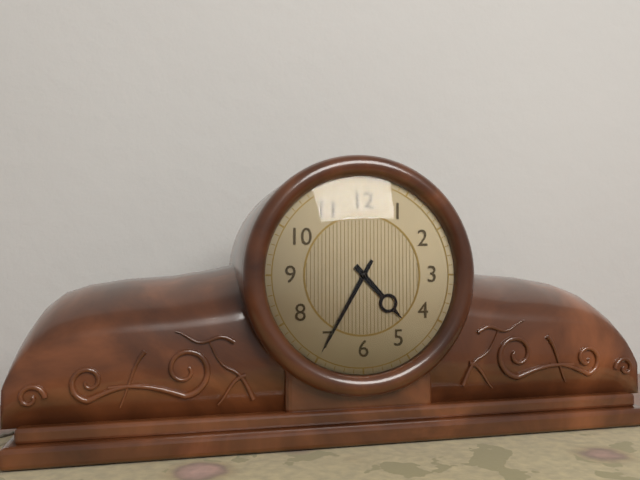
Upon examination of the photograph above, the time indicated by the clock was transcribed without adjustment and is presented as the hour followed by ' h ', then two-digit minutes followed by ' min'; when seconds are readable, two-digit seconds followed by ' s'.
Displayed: 4 h 35 min
